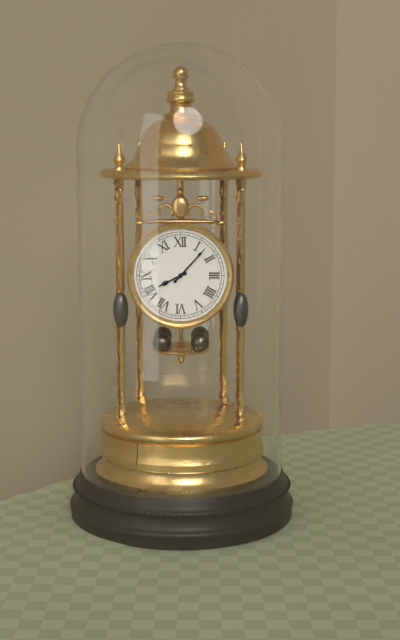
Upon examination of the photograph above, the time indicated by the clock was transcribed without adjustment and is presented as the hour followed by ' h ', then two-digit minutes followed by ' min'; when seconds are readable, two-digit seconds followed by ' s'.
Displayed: 8 h 07 min
